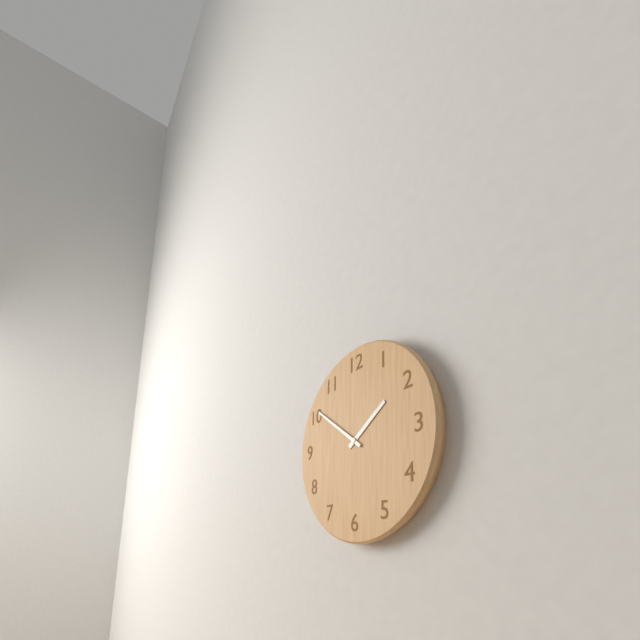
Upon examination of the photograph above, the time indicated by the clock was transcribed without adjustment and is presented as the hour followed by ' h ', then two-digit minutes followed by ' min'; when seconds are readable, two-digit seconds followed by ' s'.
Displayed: 1 h 51 min
